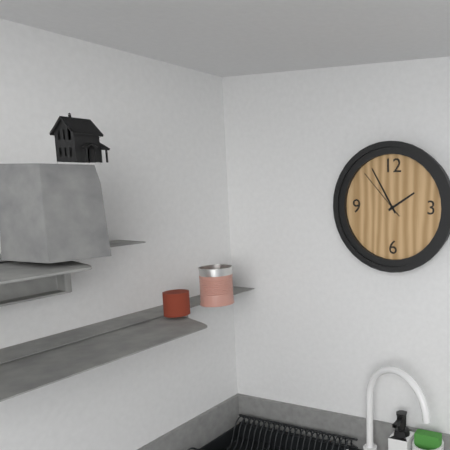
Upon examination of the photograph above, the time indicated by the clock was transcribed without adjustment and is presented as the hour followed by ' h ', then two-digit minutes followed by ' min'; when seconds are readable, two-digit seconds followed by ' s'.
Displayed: 1 h 55 min 53 s
